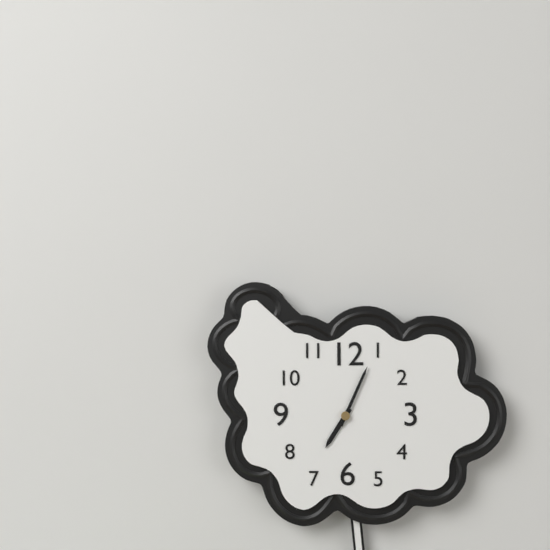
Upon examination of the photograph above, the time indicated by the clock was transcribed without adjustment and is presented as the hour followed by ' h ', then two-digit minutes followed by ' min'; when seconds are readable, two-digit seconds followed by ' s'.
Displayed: 7 h 04 min
